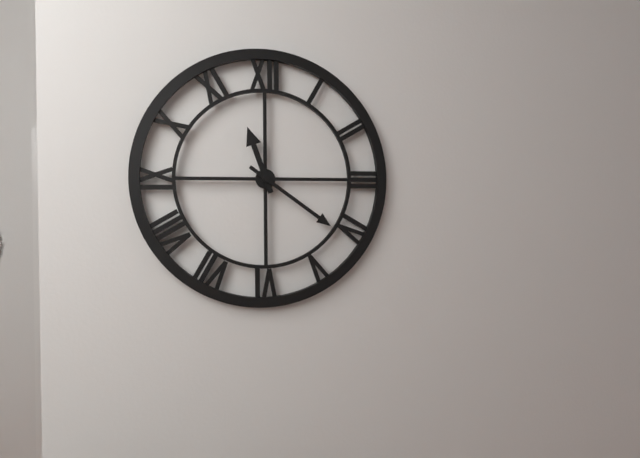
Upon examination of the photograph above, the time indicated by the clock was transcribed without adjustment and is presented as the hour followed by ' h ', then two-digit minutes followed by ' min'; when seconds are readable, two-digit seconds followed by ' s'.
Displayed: 11 h 21 min
